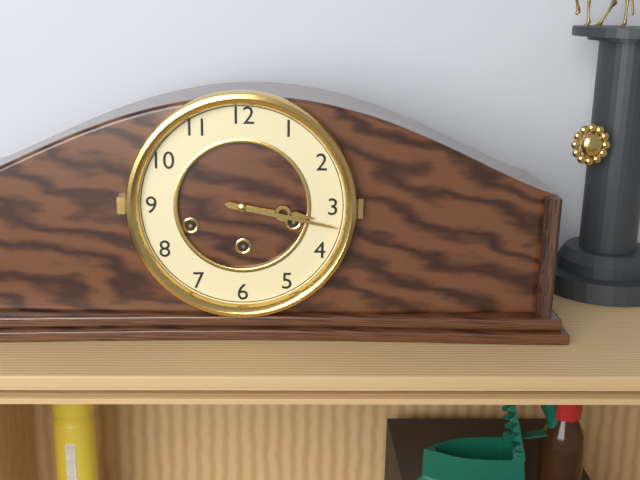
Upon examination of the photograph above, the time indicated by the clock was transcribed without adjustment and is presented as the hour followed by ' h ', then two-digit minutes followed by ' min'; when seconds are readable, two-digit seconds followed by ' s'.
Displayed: 3 h 17 min
